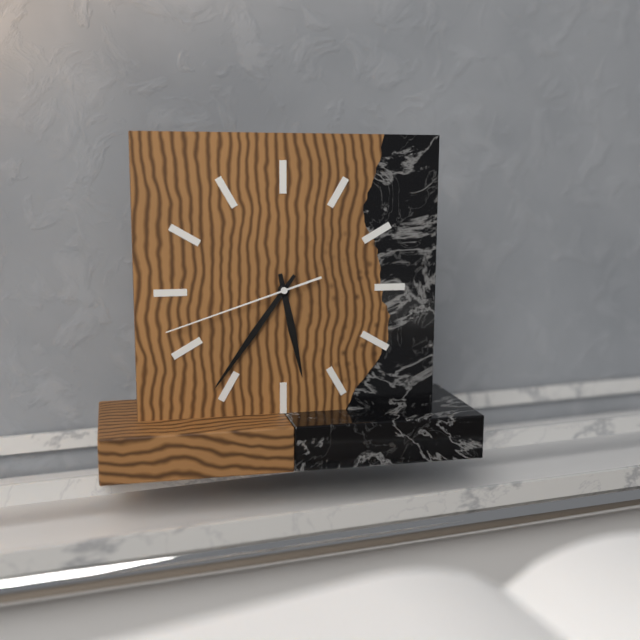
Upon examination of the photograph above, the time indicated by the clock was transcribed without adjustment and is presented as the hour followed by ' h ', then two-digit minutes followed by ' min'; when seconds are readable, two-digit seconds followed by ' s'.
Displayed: 5 h 36 min 42 s
